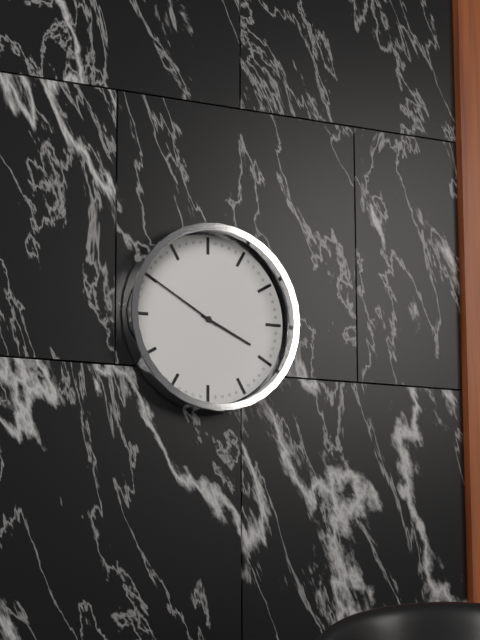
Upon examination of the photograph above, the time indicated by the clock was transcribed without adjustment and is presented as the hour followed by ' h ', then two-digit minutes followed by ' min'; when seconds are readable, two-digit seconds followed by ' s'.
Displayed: 3 h 50 min
